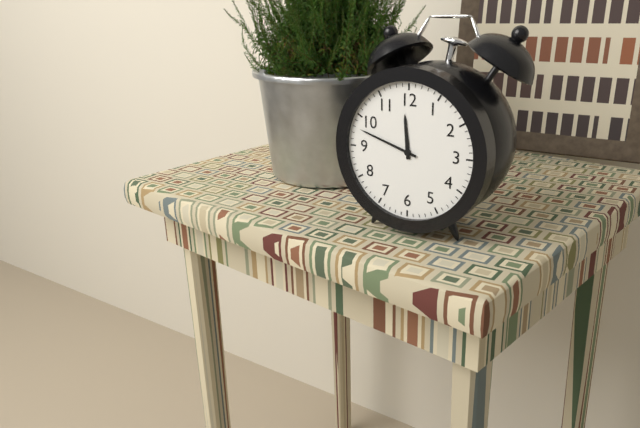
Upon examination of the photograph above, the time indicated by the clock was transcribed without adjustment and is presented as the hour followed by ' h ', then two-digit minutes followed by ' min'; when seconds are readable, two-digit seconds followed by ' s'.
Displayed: 11 h 48 min
